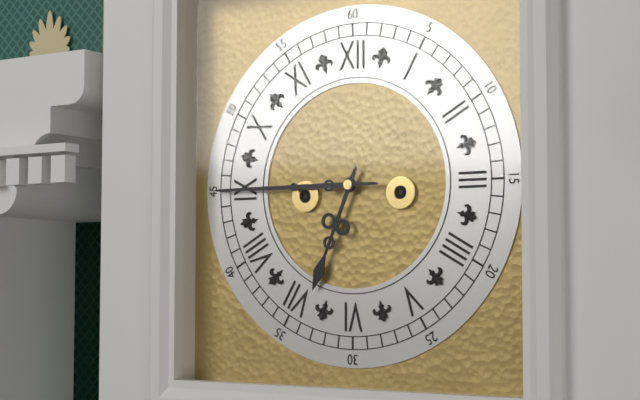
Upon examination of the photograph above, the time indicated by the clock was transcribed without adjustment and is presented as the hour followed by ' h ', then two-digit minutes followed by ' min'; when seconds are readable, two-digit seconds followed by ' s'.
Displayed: 6 h 45 min
